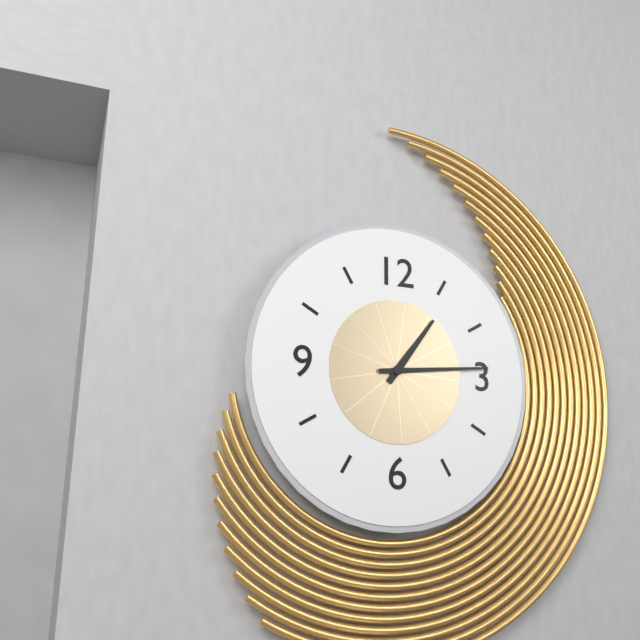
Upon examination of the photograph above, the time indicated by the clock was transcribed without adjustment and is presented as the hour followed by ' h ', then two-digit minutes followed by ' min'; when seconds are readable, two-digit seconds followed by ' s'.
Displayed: 1 h 14 min
